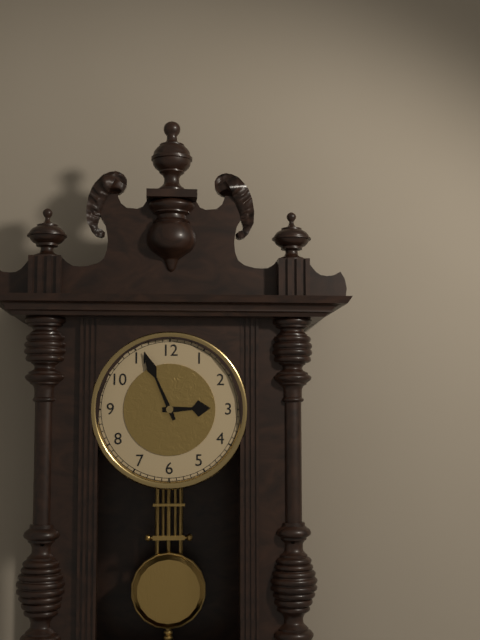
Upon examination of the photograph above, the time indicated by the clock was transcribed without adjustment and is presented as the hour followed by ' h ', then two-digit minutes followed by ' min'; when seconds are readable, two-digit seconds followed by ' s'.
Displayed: 2 h 56 min
